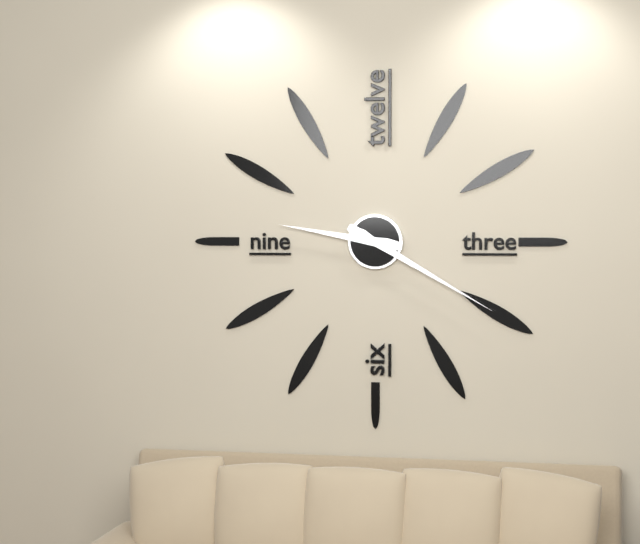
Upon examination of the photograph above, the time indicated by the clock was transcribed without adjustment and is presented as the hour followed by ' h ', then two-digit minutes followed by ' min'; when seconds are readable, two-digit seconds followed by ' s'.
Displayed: 9 h 20 min
